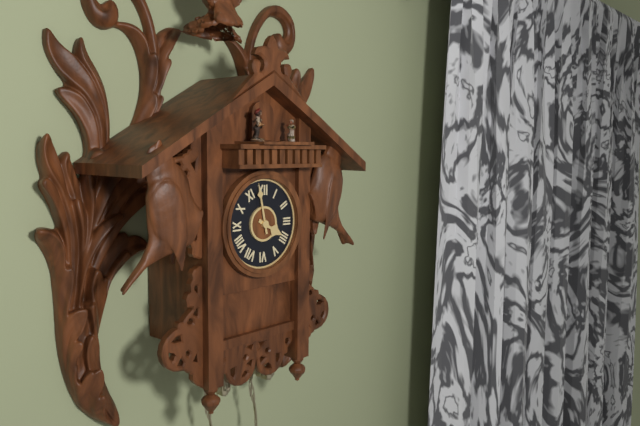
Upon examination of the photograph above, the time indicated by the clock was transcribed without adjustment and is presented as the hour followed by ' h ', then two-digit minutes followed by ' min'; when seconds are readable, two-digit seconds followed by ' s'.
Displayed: 3 h 58 min
